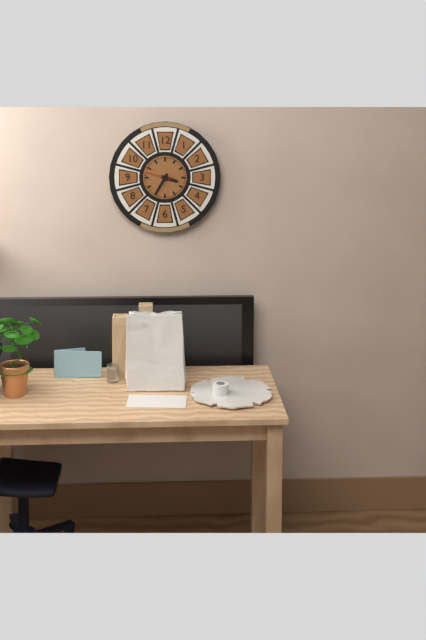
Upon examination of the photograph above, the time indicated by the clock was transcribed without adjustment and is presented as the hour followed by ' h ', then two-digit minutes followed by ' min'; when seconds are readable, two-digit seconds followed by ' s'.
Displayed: 3 h 35 min
